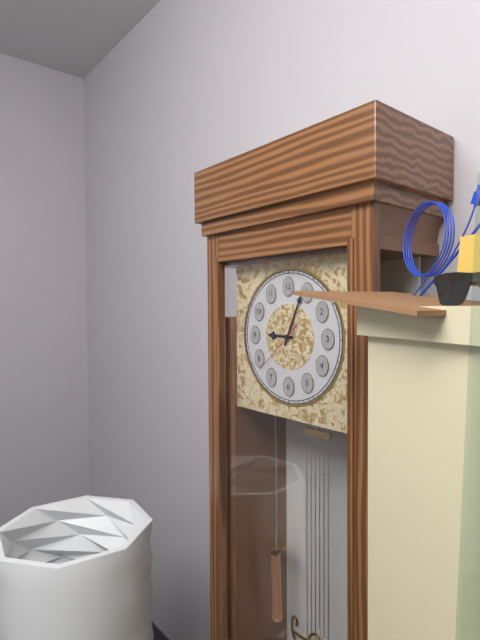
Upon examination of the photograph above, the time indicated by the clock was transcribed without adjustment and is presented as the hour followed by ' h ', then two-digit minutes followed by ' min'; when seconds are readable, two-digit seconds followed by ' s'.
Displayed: 9 h 04 min 38 s
